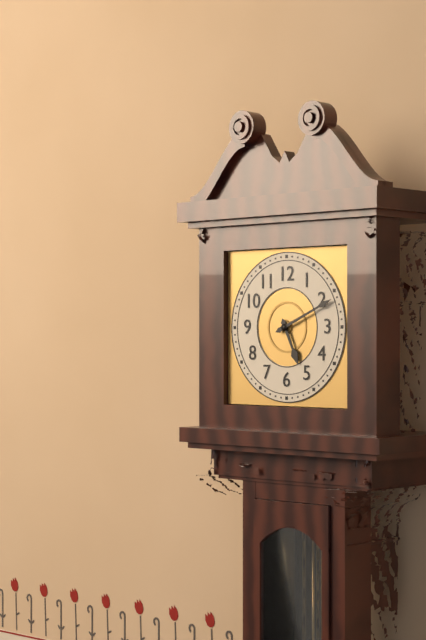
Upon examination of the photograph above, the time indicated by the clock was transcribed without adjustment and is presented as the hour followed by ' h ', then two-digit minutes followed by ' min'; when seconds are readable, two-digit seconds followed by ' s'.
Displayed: 5 h 11 min
